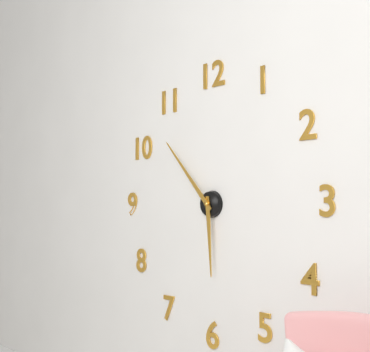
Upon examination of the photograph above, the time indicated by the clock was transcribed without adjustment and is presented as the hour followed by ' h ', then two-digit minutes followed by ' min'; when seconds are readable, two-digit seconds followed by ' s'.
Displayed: 5 h 53 min
